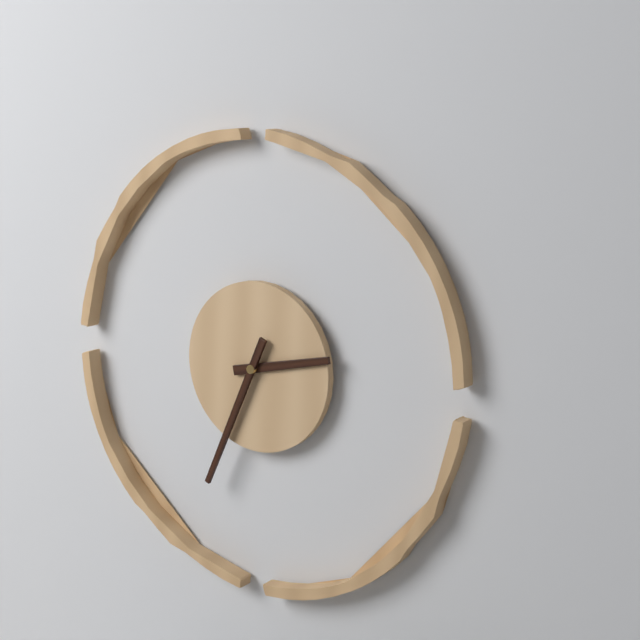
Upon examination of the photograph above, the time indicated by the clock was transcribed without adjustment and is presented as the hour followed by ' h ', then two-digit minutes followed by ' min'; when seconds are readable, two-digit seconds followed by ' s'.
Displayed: 2 h 34 min
